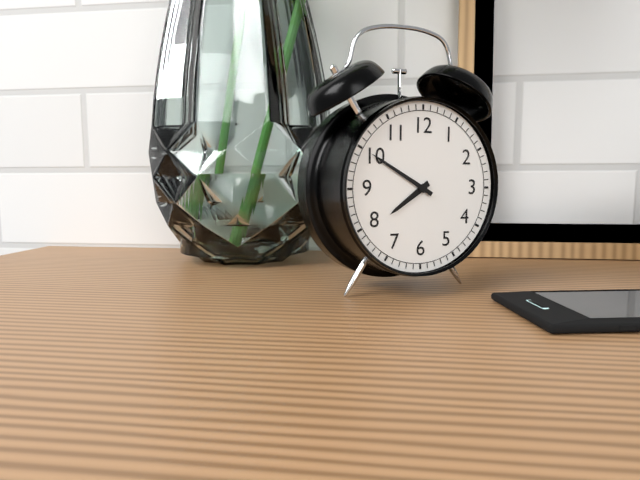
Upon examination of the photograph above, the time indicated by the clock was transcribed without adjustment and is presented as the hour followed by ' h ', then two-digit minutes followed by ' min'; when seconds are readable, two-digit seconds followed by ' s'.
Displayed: 7 h 50 min
